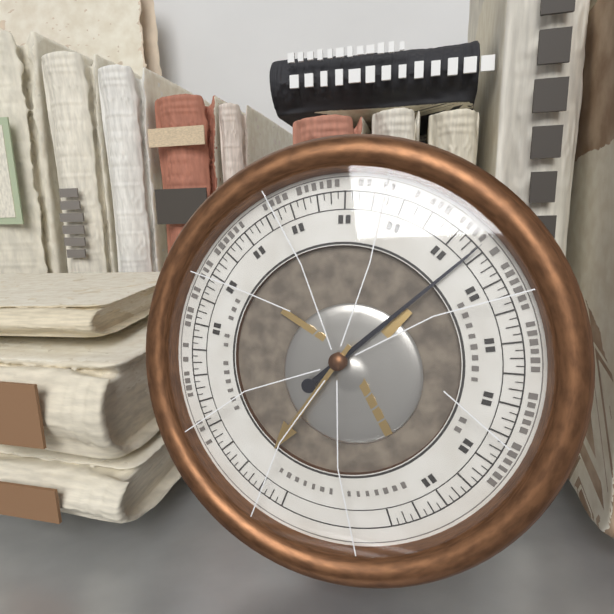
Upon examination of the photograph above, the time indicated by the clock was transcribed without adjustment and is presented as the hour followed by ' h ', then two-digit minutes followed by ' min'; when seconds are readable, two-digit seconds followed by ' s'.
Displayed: 7 h 08 min
